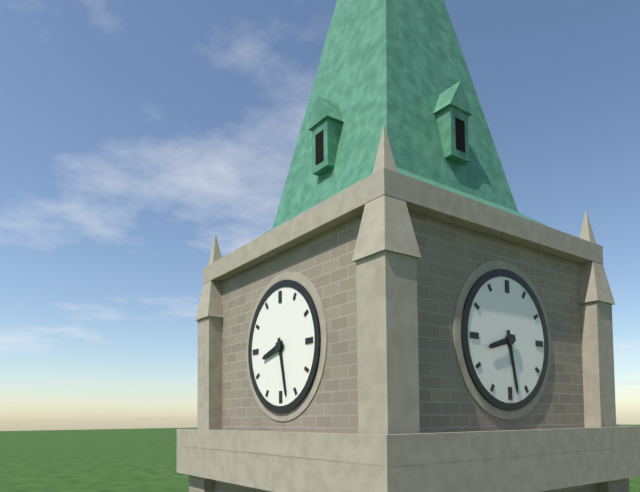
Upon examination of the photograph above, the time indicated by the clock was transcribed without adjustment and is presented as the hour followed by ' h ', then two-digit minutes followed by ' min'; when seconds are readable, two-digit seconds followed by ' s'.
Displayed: 8 h 28 min
